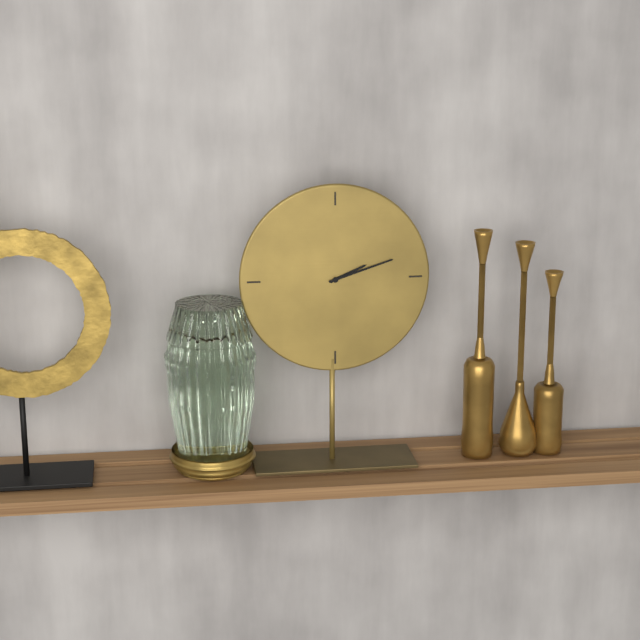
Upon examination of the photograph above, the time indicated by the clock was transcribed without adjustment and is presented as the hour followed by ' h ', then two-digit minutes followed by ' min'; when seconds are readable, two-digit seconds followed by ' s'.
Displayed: 2 h 12 min
